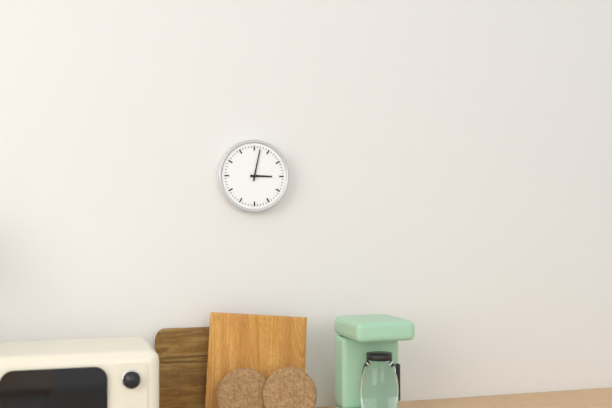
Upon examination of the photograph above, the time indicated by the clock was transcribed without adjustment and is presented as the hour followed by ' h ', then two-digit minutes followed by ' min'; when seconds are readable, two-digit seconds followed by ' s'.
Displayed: 3 h 02 min
